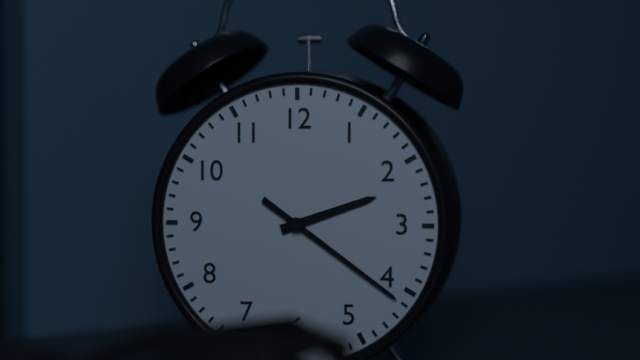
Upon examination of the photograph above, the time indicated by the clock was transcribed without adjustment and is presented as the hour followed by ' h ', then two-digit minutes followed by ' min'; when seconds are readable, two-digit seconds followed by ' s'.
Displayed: 2 h 21 min
